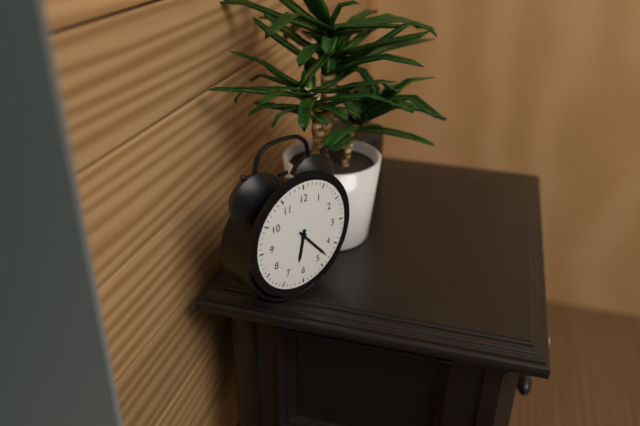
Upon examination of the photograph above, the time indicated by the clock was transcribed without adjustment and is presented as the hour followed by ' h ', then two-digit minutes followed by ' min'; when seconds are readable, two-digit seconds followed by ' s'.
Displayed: 6 h 23 min
